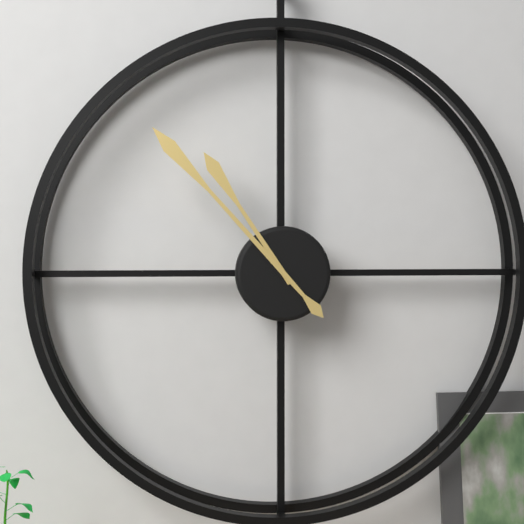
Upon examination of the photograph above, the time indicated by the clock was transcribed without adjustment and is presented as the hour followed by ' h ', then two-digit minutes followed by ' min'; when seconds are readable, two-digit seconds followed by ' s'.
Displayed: 10 h 53 min
